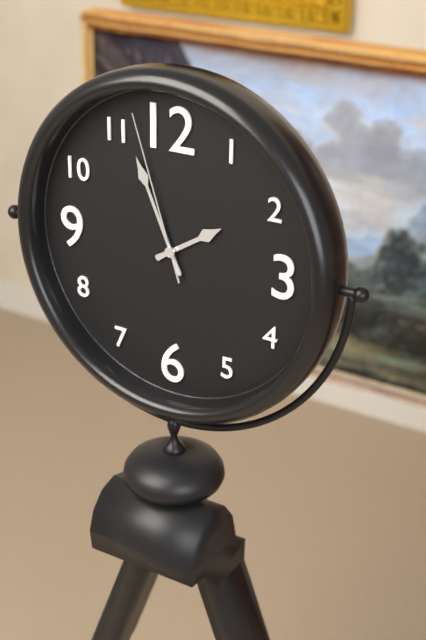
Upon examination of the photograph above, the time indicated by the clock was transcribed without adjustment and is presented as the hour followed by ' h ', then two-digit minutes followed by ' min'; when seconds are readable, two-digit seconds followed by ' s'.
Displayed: 1 h 56 min 57 s
